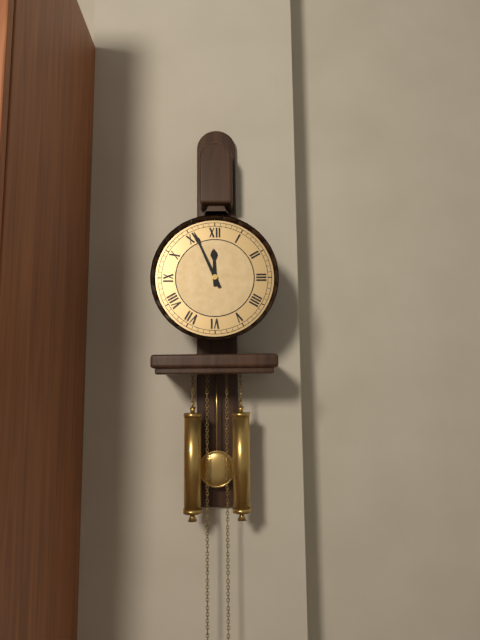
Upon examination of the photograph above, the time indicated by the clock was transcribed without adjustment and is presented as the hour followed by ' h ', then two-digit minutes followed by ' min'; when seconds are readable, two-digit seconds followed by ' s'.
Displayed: 11 h 56 min
